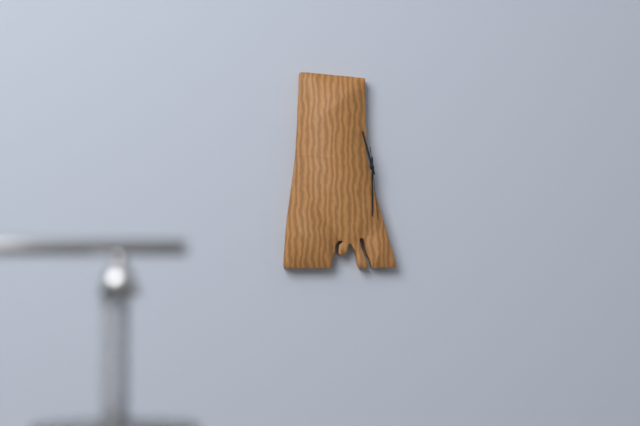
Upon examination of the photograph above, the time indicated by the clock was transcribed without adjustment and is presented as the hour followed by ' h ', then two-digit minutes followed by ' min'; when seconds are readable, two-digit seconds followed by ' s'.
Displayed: 11 h 30 min 29 s
